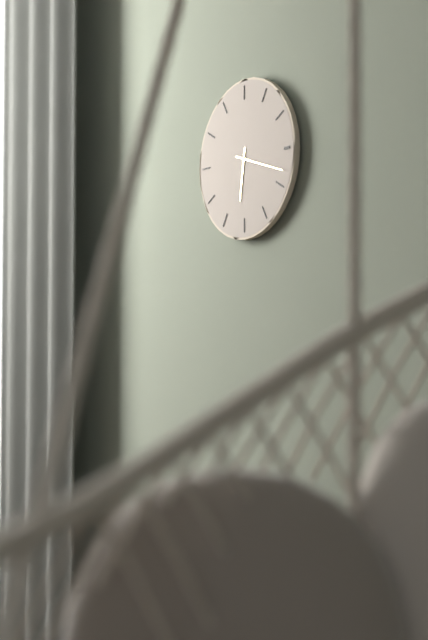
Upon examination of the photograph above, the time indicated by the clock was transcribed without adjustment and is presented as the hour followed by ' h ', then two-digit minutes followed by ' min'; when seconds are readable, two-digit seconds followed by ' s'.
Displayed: 6 h 18 min
